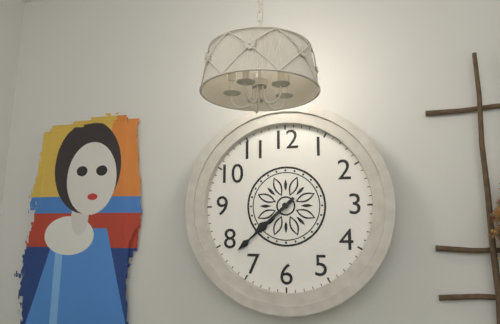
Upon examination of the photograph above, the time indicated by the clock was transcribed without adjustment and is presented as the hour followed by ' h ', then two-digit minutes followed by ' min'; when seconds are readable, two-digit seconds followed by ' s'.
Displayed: 7 h 38 min
